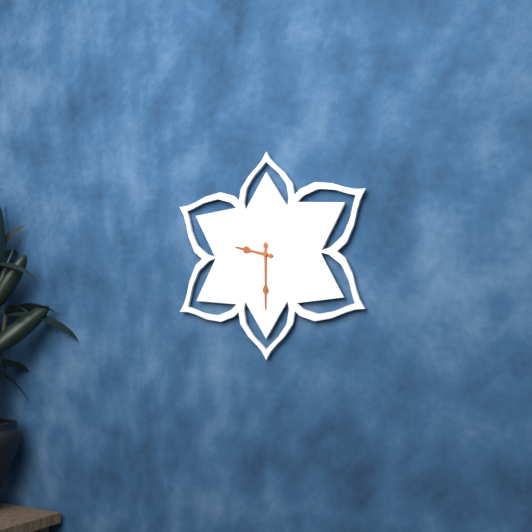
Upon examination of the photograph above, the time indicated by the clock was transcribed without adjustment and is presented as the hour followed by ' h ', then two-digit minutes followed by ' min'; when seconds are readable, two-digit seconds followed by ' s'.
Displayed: 9 h 30 min
